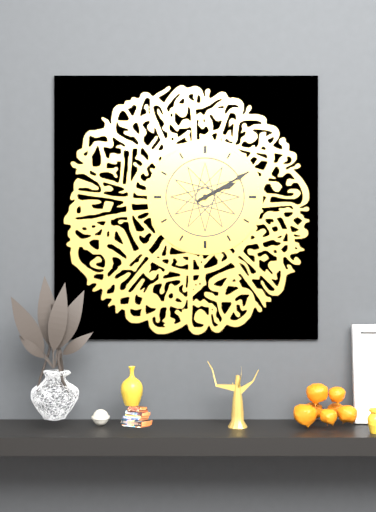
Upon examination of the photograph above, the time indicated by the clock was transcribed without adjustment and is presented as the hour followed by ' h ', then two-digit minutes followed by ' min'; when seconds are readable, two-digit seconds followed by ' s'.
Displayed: 2 h 10 min
